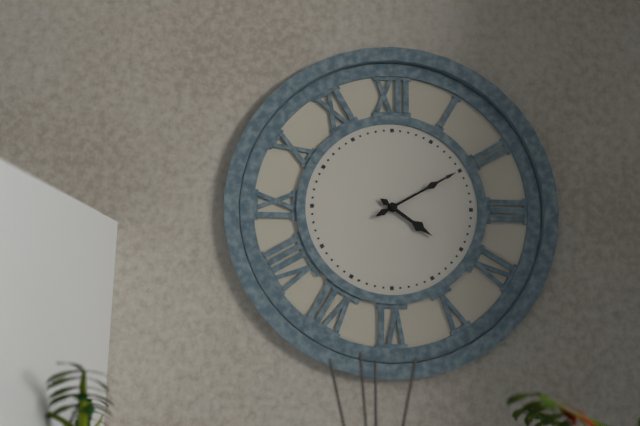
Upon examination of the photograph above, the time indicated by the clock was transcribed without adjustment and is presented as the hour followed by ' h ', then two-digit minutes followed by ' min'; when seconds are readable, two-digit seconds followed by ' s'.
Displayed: 4 h 10 min
